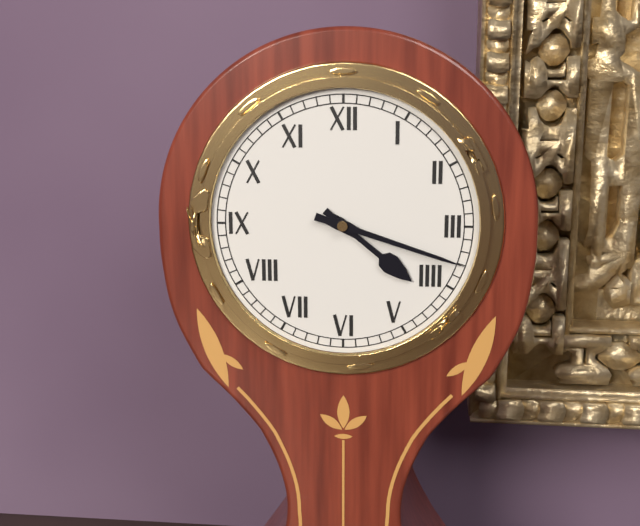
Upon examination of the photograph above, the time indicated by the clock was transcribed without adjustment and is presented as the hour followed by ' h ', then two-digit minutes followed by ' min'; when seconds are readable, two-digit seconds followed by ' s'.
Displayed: 4 h 18 min
